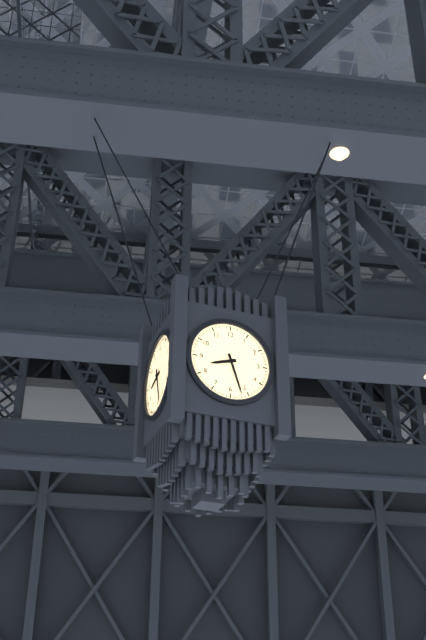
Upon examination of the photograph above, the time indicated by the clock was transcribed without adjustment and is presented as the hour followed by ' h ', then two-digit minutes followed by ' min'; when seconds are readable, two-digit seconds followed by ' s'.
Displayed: 8 h 27 min
